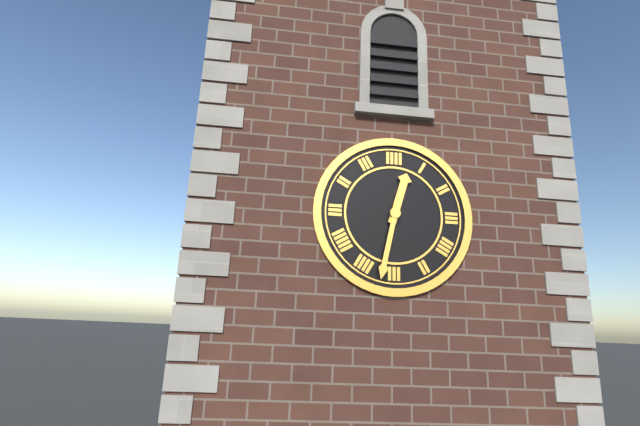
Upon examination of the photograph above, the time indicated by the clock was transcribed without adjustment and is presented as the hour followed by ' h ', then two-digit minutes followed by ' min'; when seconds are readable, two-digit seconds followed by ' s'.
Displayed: 12 h 32 min
